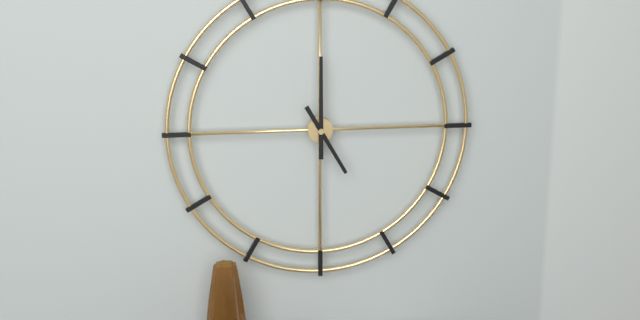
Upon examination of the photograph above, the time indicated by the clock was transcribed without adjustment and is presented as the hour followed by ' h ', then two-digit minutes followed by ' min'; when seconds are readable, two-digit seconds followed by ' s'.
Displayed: 5 h 00 min
